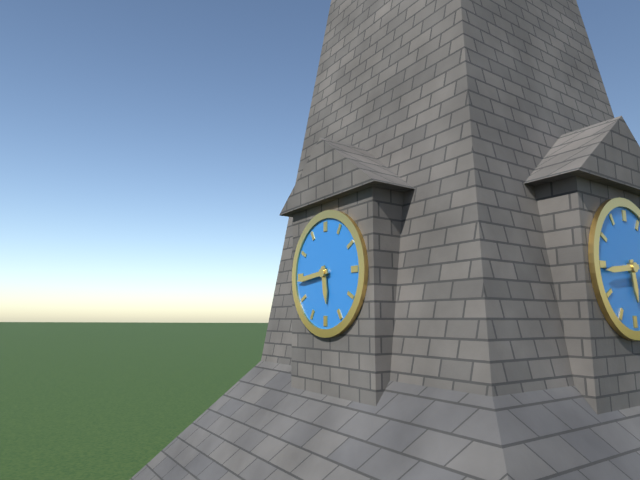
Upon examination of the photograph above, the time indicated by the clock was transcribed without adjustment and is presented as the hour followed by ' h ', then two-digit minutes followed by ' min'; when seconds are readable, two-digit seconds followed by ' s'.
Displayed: 5 h 44 min
